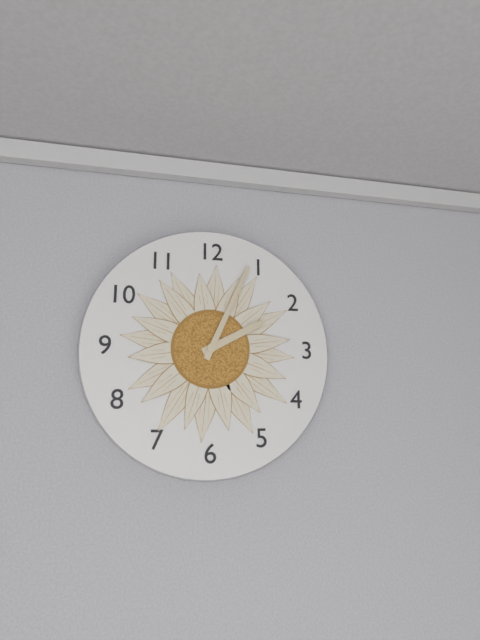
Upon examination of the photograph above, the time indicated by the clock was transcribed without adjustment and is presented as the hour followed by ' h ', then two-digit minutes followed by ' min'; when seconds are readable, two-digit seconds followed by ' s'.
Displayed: 2 h 04 min
